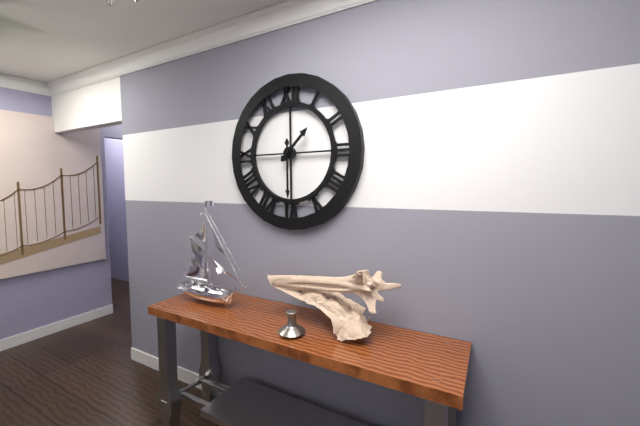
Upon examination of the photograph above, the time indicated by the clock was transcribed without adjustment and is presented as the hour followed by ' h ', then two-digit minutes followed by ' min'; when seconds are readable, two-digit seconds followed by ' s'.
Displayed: 1 h 30 min
